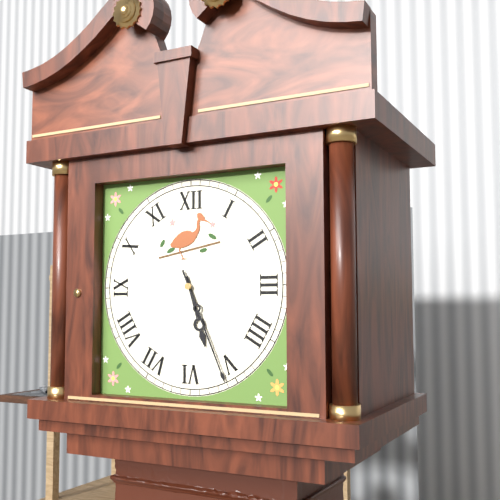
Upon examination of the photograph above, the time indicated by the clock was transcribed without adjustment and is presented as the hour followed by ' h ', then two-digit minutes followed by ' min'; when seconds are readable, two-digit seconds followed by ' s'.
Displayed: 5 h 26 min
